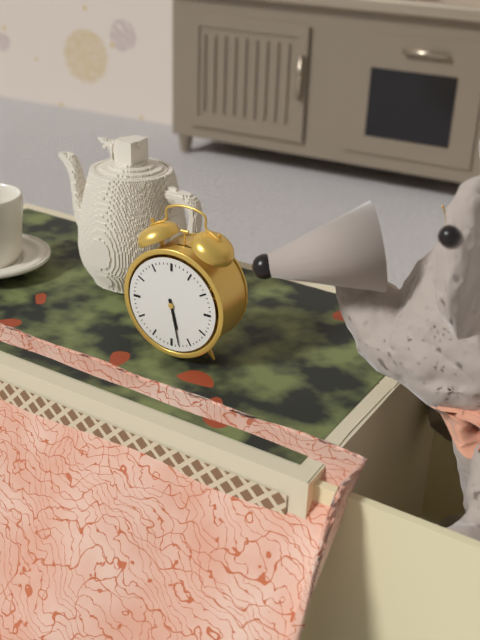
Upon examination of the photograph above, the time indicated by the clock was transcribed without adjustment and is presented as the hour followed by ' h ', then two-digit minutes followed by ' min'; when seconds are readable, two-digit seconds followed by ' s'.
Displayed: 5 h 28 min
